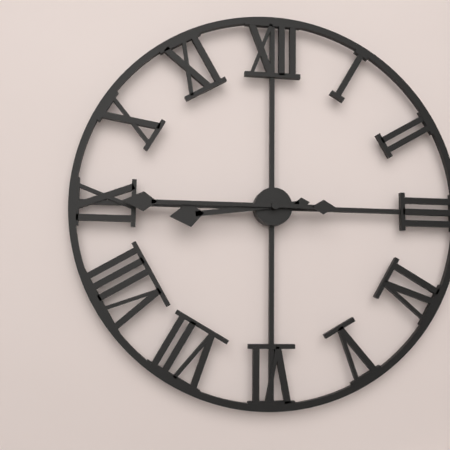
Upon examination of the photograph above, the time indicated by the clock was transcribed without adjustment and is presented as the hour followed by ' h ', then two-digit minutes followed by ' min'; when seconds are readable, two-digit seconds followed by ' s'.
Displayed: 8 h 45 min
